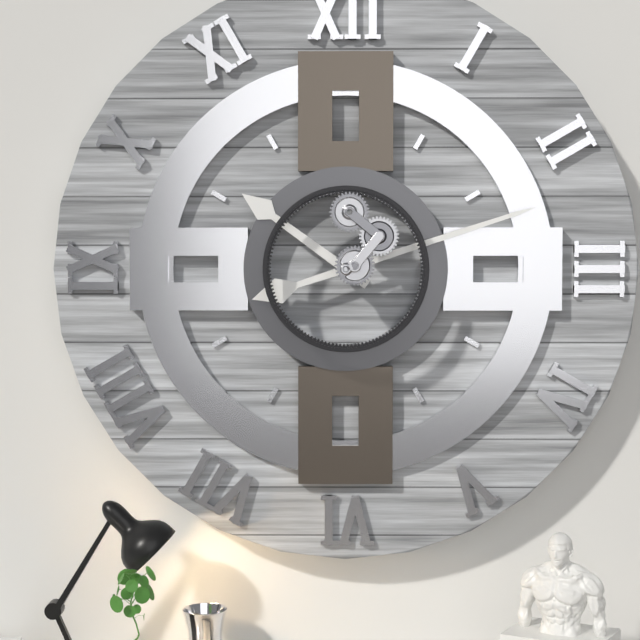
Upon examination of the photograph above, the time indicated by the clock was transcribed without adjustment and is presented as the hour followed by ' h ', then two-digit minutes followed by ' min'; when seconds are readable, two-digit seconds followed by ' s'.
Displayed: 10 h 12 min
